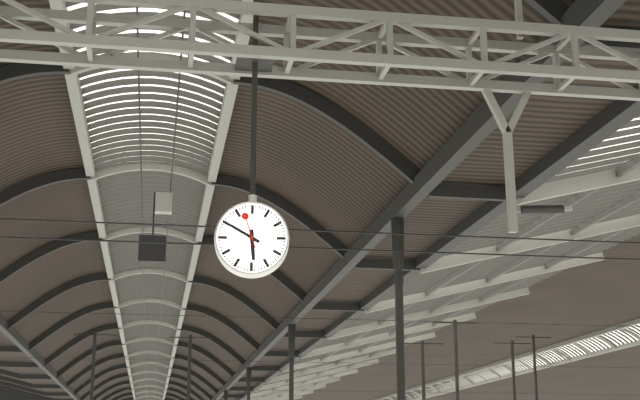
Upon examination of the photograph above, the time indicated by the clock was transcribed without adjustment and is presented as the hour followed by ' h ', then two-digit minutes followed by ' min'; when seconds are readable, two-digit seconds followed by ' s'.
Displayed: 5 h 50 min
